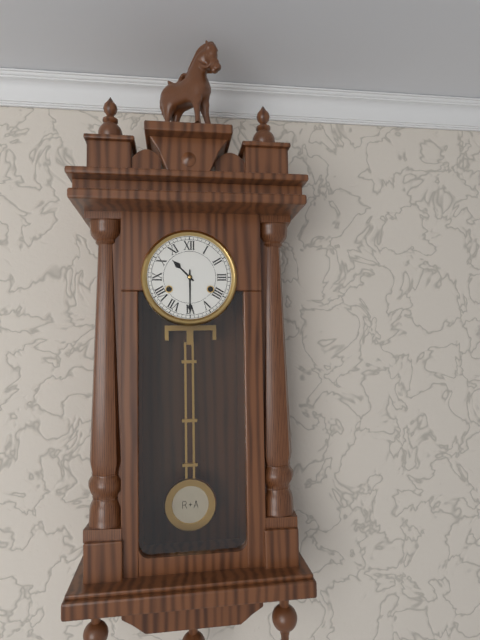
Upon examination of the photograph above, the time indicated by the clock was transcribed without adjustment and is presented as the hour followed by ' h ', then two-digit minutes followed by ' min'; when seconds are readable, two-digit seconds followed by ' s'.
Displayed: 10 h 30 min
